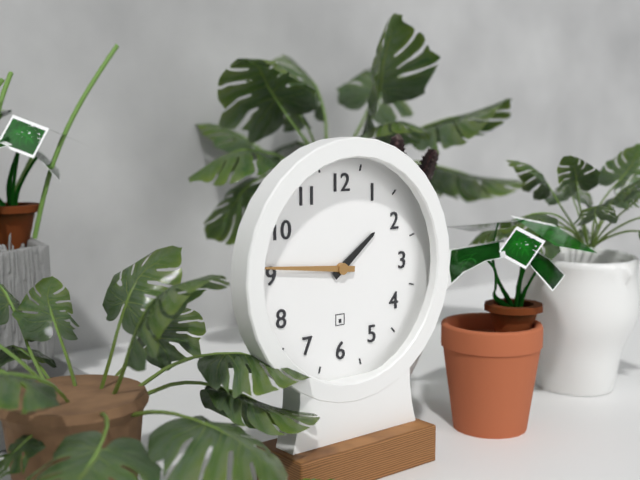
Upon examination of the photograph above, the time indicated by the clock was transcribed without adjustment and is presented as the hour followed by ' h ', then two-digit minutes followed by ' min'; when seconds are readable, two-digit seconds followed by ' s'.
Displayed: 1 h 46 min
